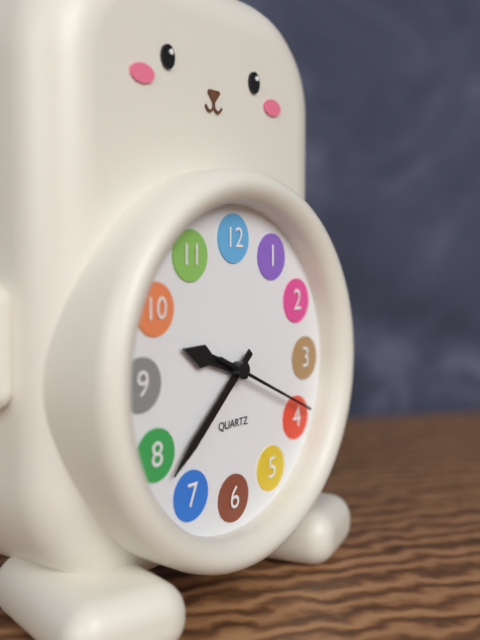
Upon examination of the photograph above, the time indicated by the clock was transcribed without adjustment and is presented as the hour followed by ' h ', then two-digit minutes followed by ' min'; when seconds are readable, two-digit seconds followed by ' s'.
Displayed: 9 h 38 min 19 s
